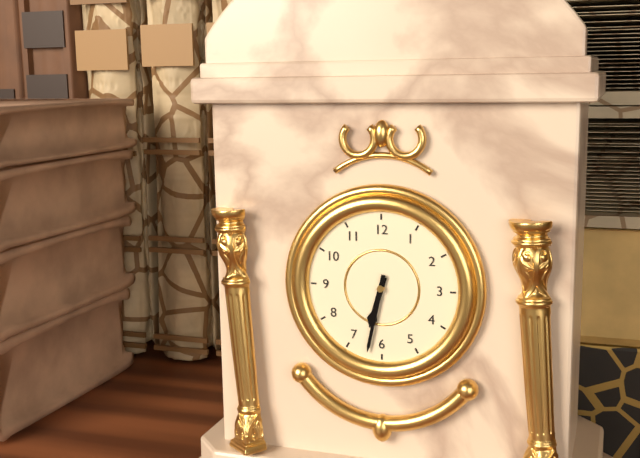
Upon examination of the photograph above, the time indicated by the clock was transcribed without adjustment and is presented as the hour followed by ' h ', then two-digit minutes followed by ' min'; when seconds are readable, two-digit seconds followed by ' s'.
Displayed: 6 h 32 min
